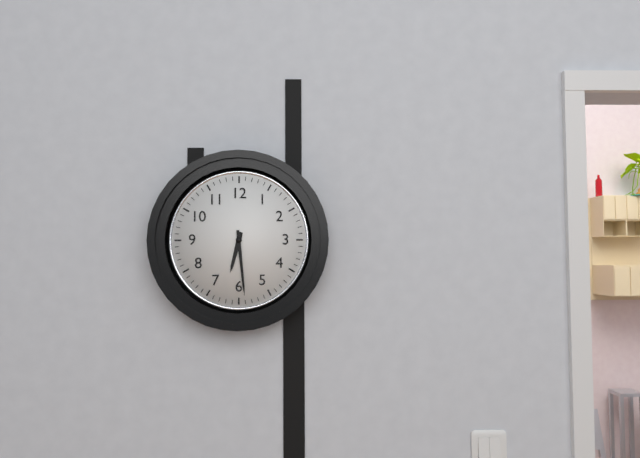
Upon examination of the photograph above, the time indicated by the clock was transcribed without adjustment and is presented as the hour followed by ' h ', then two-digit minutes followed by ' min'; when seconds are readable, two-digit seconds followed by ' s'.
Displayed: 6 h 29 min
